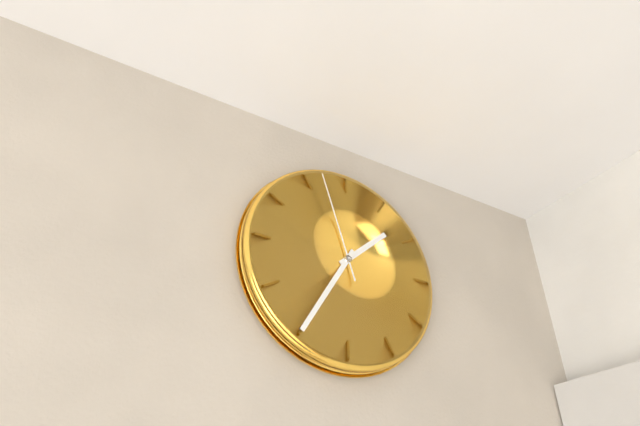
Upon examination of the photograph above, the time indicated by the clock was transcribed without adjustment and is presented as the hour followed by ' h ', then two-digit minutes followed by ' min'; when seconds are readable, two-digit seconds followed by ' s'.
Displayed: 1 h 35 min 57 s
